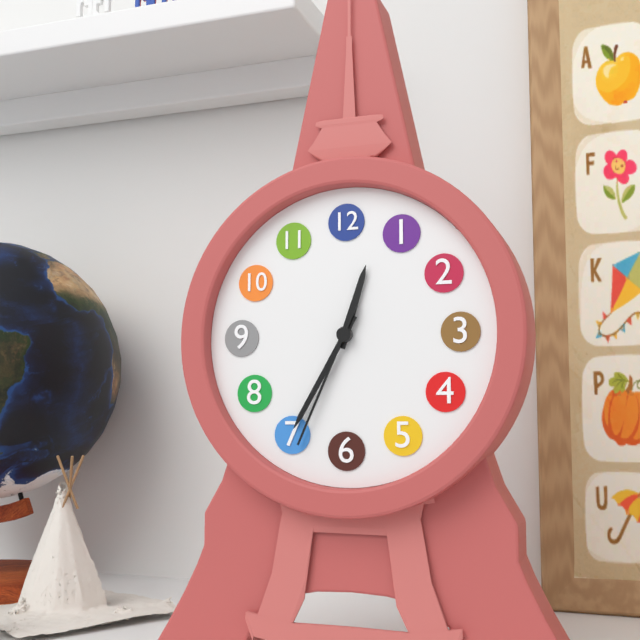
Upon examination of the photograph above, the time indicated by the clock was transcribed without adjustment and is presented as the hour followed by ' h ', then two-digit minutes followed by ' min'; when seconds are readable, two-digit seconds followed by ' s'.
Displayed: 12 h 35 min 34 s
